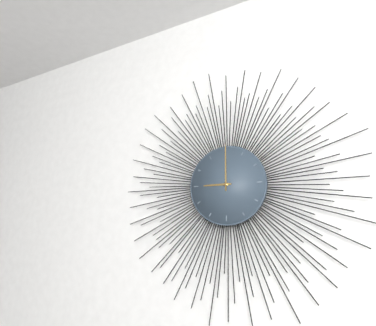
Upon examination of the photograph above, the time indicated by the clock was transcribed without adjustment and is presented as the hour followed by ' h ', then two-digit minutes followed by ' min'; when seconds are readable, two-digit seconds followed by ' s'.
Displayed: 9 h 00 min
